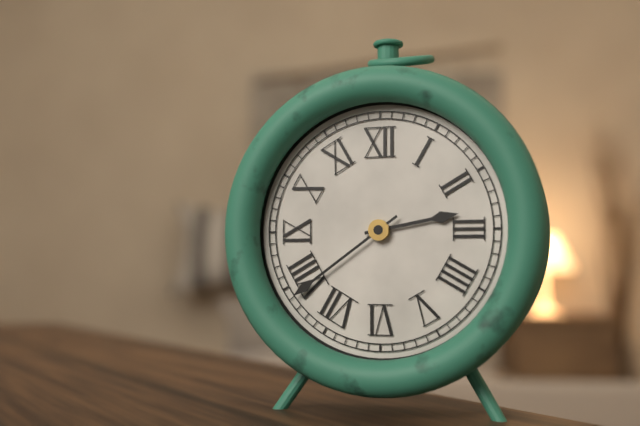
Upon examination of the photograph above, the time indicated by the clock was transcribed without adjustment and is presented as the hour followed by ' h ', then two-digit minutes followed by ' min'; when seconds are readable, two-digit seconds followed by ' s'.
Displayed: 2 h 39 min
